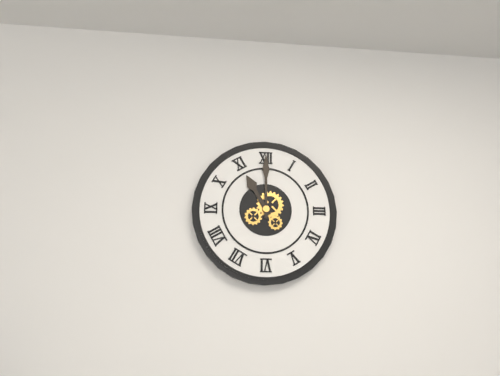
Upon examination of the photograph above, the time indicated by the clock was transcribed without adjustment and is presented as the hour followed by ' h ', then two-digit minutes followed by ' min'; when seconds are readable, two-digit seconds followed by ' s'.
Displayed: 11 h 00 min
